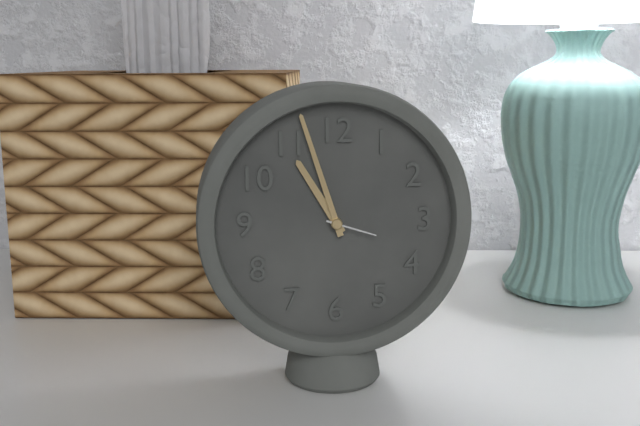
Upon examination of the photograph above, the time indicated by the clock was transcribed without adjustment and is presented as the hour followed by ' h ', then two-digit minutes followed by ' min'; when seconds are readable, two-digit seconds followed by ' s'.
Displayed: 10 h 57 min 18 s
